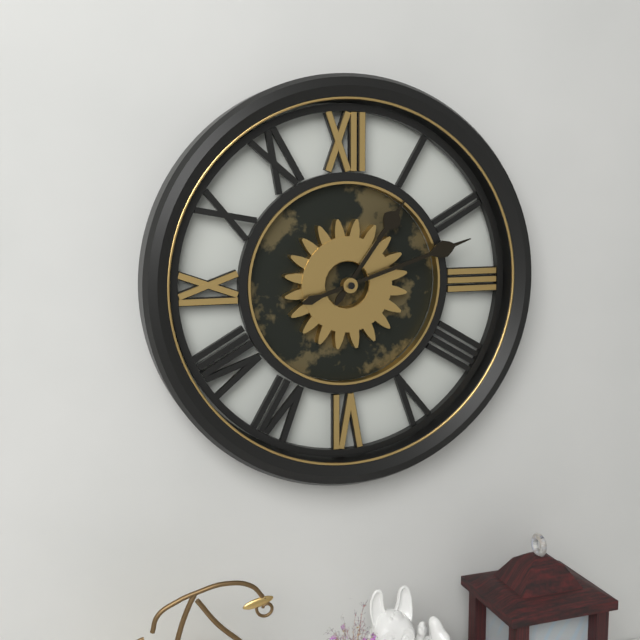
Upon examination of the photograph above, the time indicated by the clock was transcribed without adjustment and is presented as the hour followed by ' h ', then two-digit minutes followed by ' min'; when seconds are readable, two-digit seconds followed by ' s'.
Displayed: 1 h 12 min
